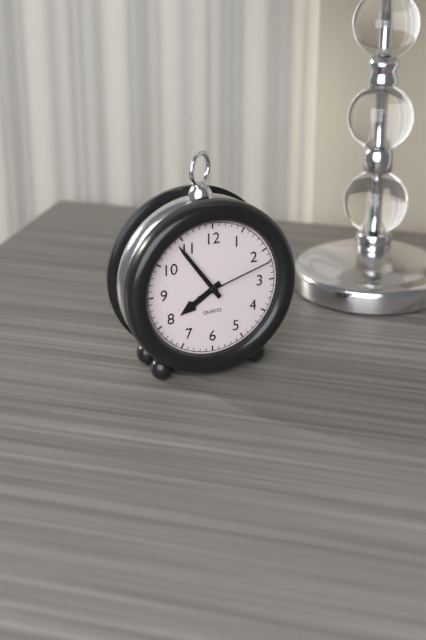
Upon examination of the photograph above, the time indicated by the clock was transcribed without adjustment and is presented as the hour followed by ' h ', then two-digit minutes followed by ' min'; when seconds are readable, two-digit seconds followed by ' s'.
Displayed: 7 h 54 min 12 s
